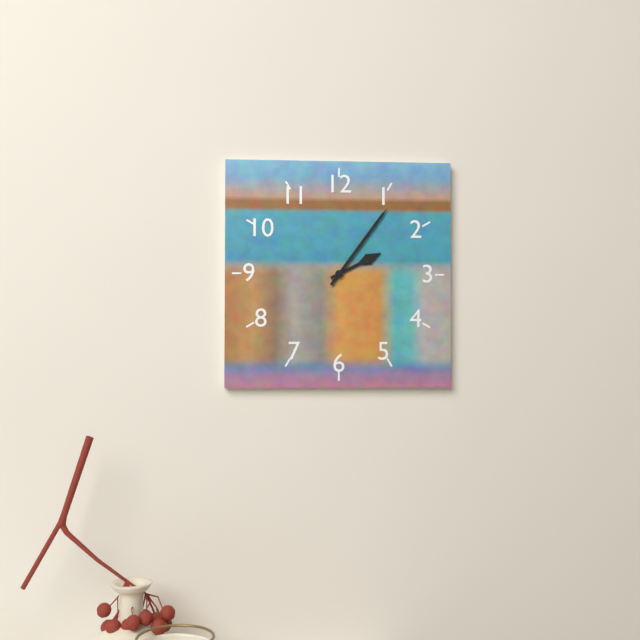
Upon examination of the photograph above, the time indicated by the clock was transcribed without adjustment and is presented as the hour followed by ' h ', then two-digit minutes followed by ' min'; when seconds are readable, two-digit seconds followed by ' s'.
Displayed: 2 h 06 min
